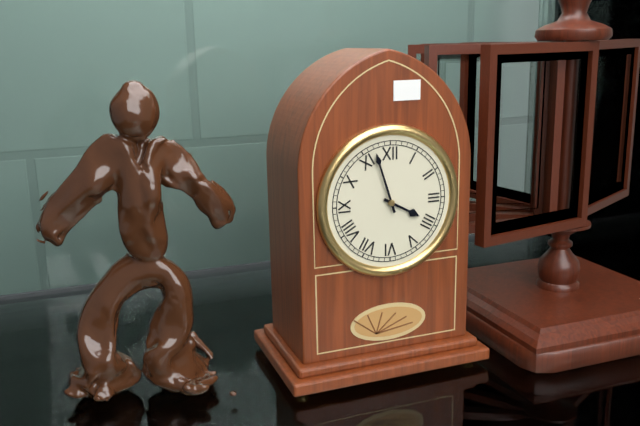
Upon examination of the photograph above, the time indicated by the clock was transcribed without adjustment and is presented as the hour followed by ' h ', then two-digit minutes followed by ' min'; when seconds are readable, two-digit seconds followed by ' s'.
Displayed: 3 h 57 min
